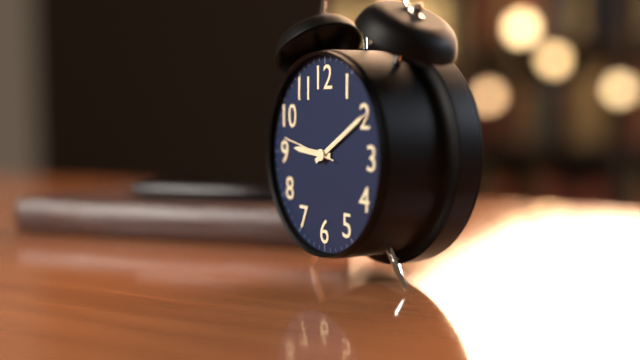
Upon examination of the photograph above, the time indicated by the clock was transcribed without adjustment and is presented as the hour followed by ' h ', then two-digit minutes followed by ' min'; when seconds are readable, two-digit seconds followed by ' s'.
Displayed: 9 h 10 min 47 s
